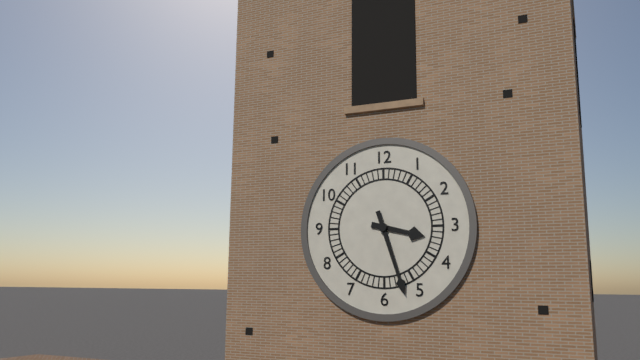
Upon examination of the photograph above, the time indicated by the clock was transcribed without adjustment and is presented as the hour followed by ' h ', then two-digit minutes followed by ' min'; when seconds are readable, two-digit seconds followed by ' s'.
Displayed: 3 h 27 min
